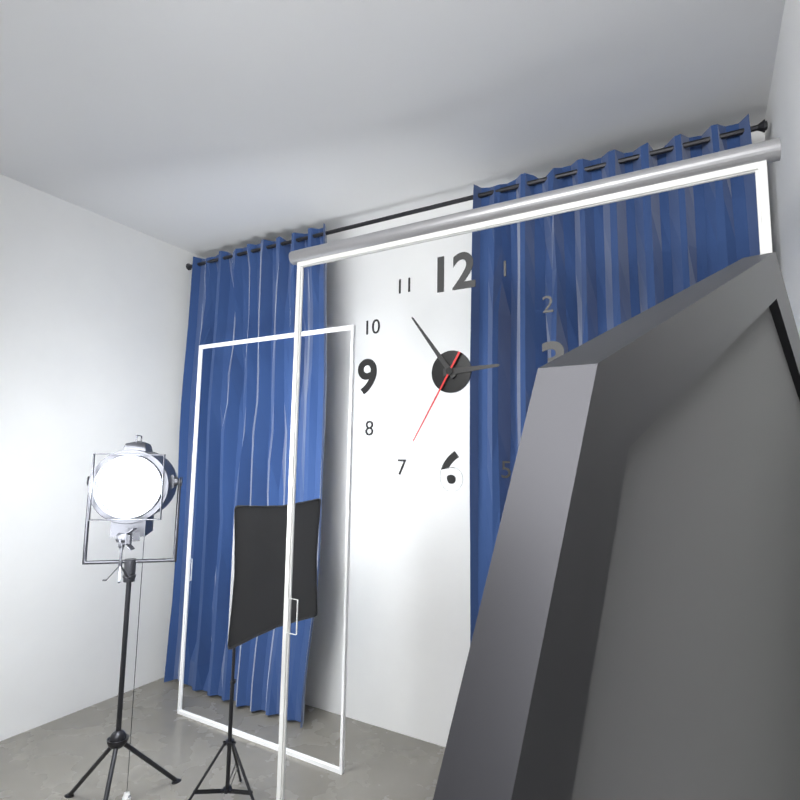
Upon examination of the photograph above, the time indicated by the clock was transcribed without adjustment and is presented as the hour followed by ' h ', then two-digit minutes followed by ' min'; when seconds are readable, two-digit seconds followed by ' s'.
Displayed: 2 h 54 min 35 s
